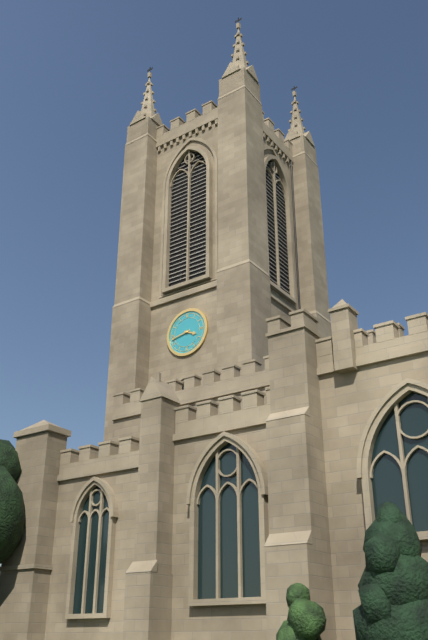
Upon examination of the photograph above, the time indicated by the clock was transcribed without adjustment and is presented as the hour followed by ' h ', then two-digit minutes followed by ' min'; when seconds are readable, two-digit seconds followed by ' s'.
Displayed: 3 h 43 min
